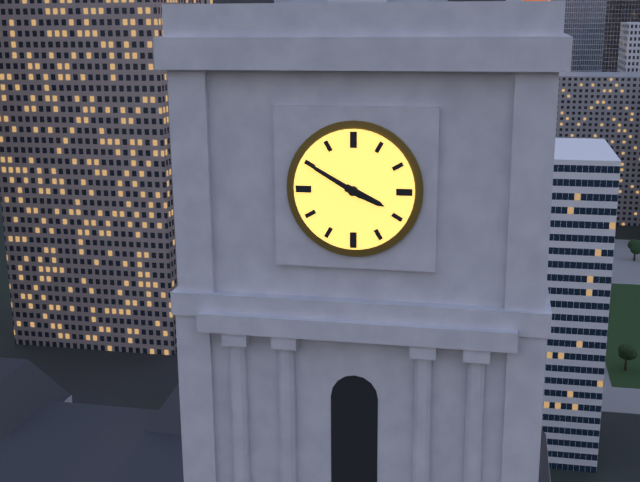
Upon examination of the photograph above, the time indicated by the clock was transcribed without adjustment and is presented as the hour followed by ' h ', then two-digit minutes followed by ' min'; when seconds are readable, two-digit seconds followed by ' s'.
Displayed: 3 h 50 min
